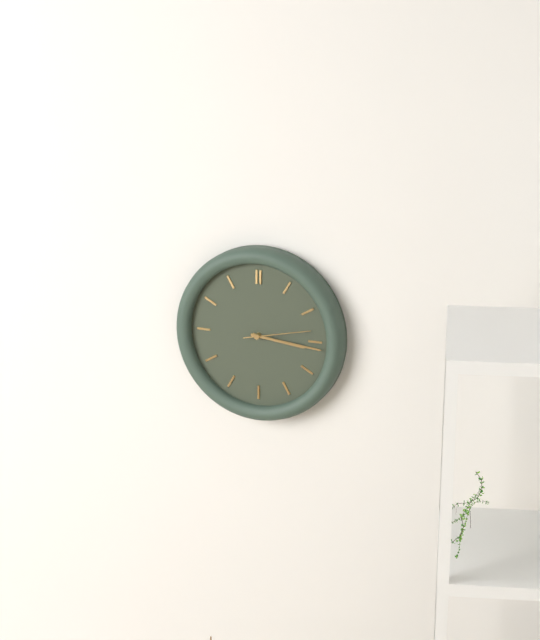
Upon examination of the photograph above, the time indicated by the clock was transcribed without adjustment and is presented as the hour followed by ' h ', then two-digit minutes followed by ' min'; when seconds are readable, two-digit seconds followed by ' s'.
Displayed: 3 h 16 min 13 s
